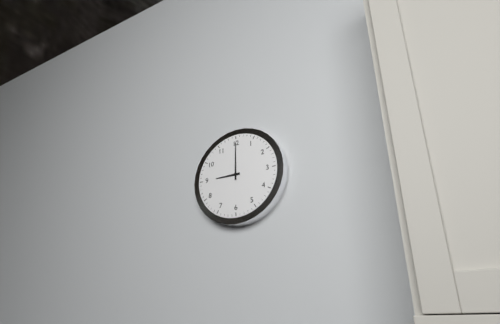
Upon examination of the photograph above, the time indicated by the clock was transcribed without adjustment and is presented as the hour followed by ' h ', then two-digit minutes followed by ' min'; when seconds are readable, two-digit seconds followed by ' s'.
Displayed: 9 h 00 min
